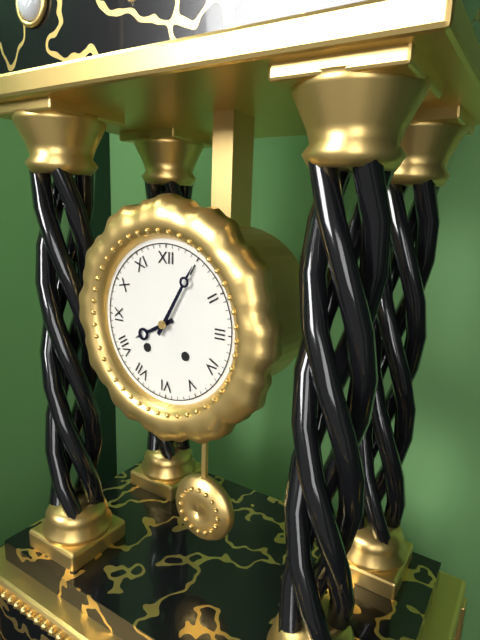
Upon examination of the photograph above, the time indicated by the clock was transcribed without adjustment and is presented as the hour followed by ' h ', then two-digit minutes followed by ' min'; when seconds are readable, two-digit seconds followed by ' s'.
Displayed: 8 h 05 min
